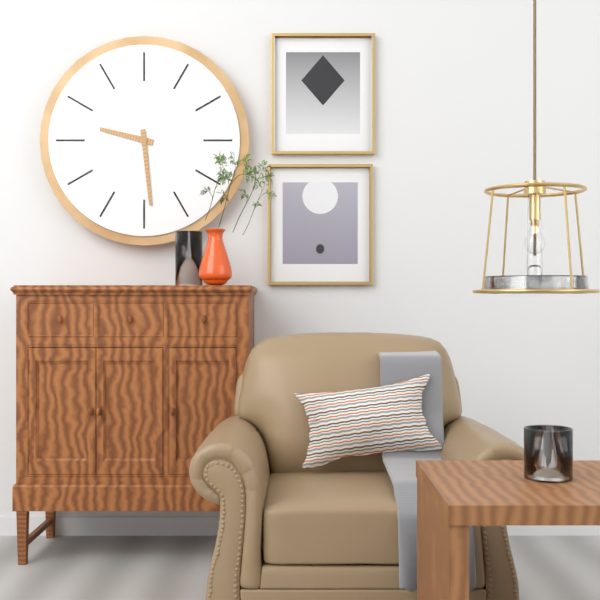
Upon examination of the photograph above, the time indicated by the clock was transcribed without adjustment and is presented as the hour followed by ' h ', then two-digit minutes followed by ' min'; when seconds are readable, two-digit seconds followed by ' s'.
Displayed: 9 h 29 min
